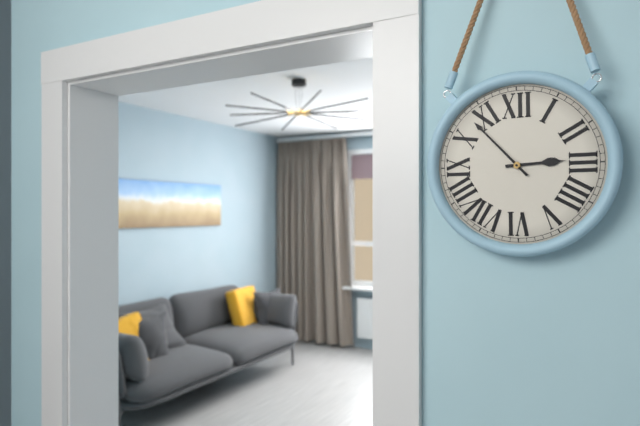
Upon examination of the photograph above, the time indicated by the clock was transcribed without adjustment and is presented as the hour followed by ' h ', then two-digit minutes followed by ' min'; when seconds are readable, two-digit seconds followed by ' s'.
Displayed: 2 h 53 min
